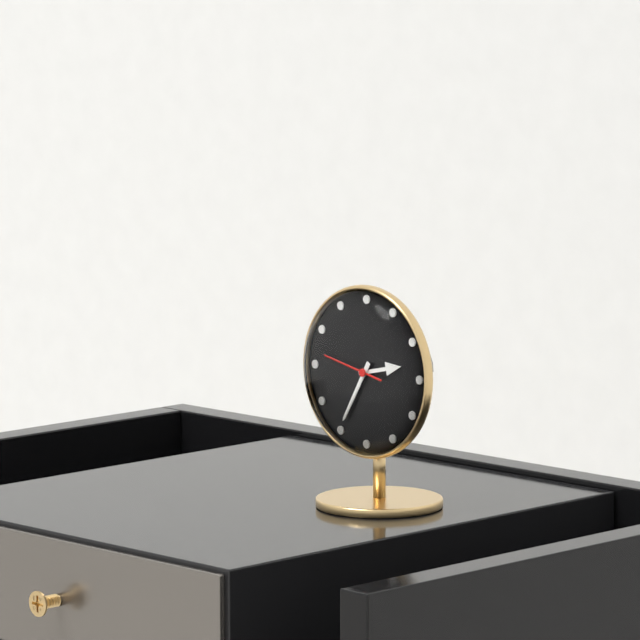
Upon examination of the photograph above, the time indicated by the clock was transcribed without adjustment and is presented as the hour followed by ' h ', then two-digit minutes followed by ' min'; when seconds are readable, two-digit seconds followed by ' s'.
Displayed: 2 h 35 min 47 s
